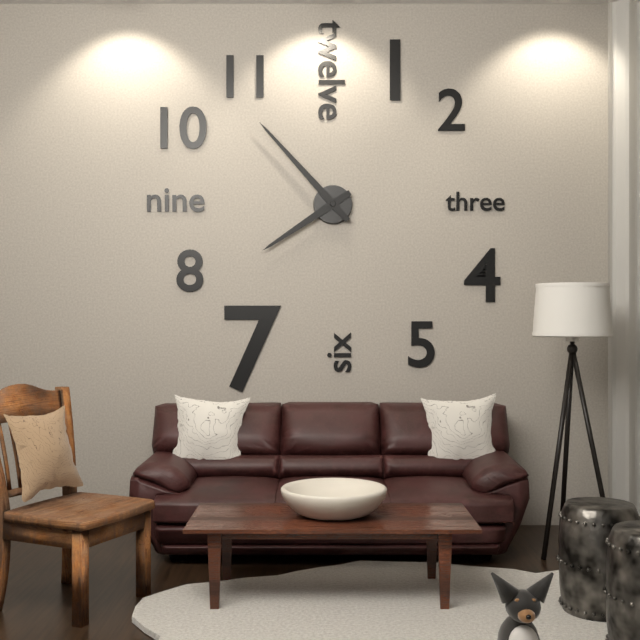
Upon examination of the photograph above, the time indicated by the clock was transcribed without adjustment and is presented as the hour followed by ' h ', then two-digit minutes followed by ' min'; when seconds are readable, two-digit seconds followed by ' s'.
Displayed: 7 h 53 min
